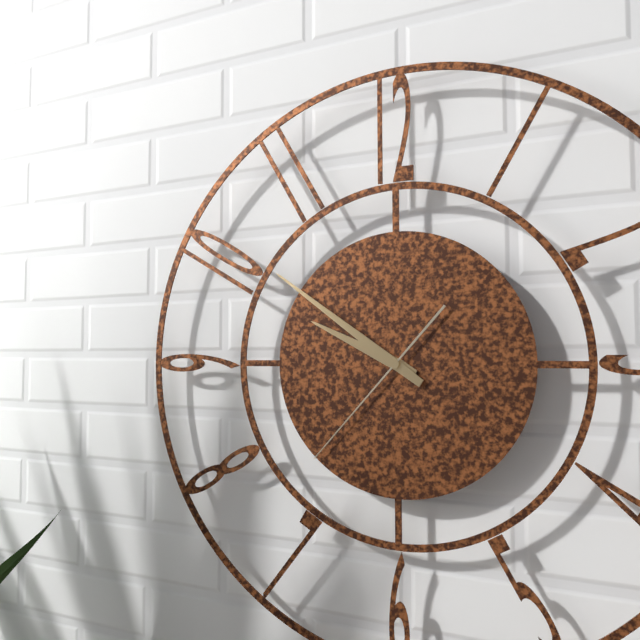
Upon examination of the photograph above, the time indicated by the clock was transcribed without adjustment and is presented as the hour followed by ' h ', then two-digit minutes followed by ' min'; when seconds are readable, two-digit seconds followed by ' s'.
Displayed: 9 h 51 min 37 s
